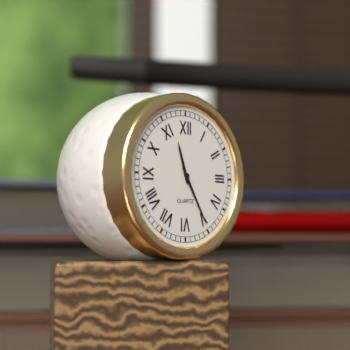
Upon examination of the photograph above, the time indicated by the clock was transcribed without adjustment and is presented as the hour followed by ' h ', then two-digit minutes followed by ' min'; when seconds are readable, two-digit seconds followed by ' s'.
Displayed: 11 h 25 min
